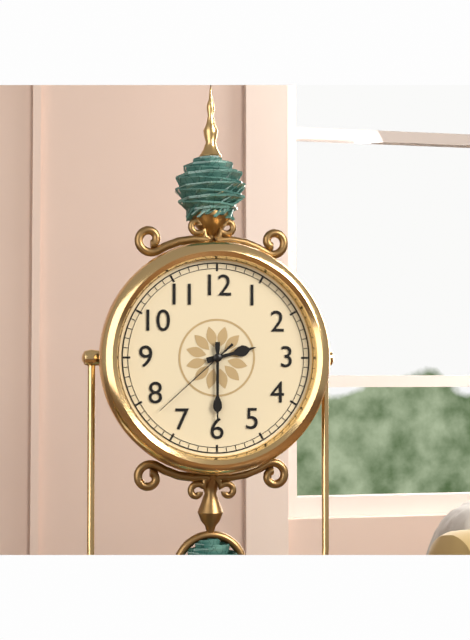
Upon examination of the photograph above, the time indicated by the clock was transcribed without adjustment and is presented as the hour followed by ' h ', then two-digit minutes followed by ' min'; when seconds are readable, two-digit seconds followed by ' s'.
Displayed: 2 h 30 min 38 s
